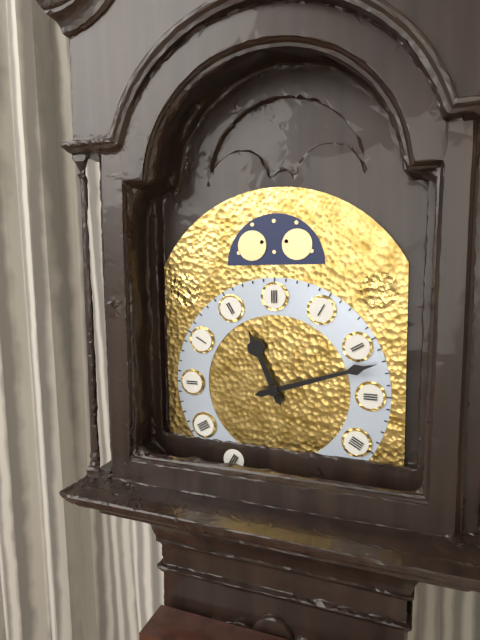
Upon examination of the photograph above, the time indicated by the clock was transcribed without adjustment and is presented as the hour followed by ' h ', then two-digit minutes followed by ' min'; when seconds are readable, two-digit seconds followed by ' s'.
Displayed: 11 h 12 min
